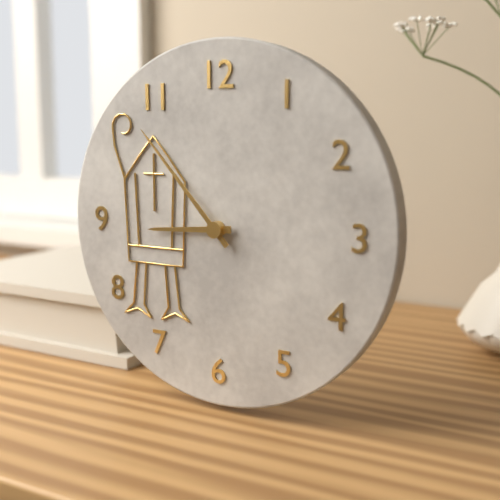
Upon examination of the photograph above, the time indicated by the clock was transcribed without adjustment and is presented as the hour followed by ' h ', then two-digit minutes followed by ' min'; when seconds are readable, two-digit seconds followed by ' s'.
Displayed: 8 h 53 min
